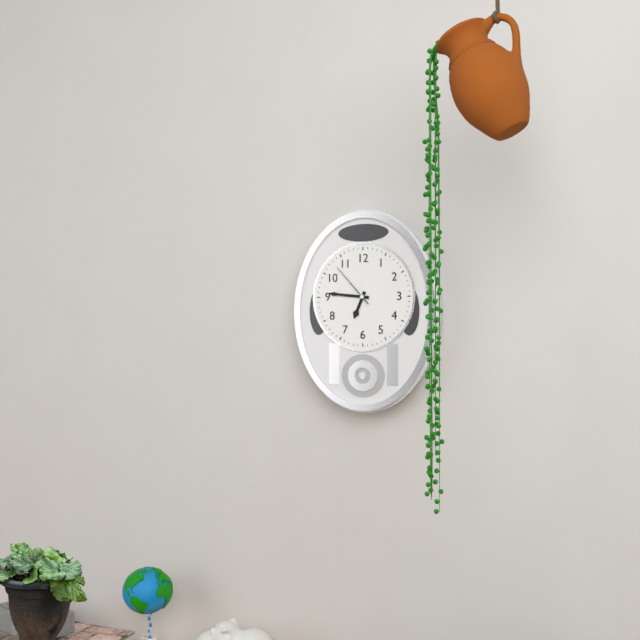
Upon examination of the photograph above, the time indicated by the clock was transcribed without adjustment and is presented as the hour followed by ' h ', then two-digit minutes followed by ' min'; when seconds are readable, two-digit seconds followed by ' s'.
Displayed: 6 h 46 min
